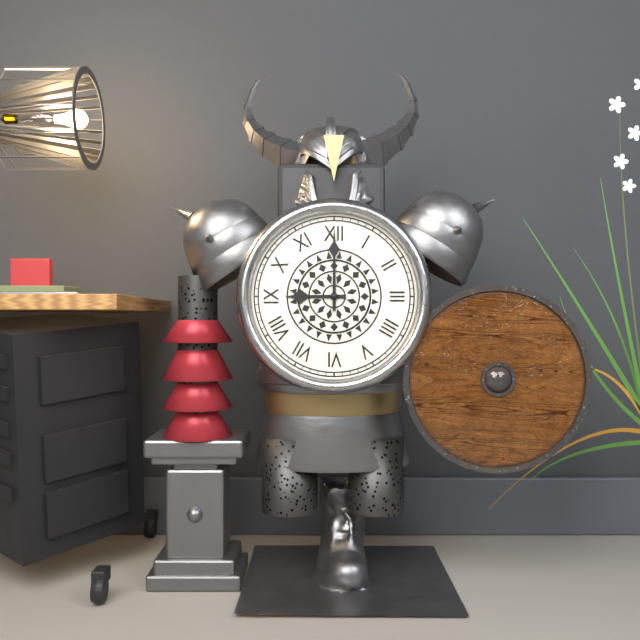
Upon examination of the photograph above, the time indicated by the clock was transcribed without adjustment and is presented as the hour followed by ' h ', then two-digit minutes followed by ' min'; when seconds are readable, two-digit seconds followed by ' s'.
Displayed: 9 h 00 min
